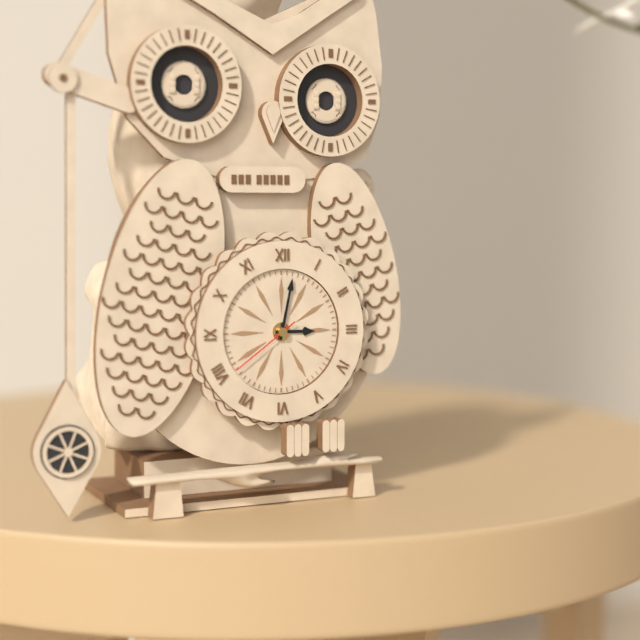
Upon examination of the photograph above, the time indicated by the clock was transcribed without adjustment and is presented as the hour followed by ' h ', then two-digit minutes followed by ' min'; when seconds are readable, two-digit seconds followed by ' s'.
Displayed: 3 h 02 min 39 s
